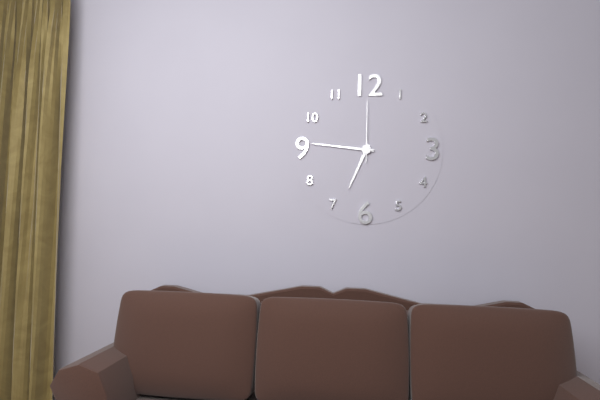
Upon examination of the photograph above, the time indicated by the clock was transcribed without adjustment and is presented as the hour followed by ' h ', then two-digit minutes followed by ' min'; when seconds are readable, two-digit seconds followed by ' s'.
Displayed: 6 h 46 min 00 s
